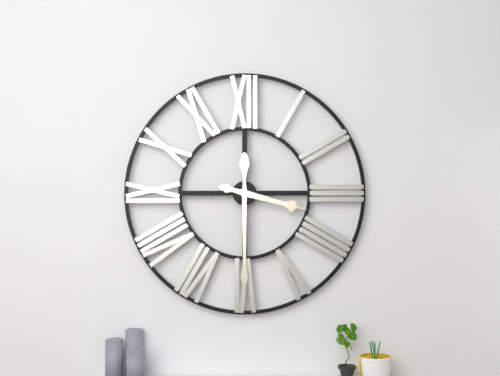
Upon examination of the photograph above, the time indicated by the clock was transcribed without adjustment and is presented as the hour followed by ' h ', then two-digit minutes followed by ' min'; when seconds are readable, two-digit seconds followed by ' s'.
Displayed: 3 h 30 min
